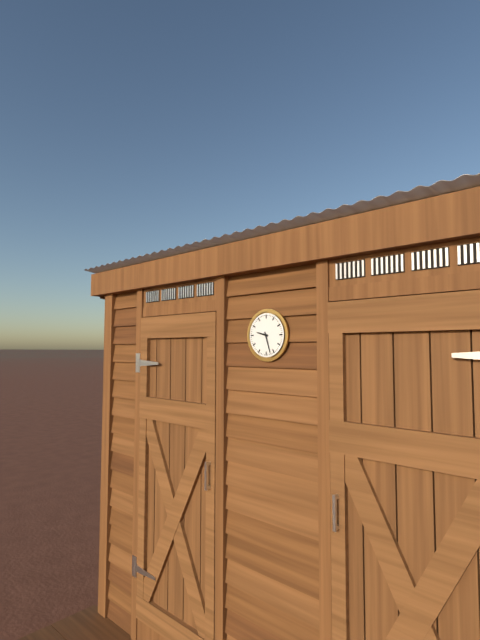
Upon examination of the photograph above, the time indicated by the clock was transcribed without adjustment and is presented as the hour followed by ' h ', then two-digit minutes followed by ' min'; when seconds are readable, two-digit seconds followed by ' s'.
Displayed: 9 h 27 min
